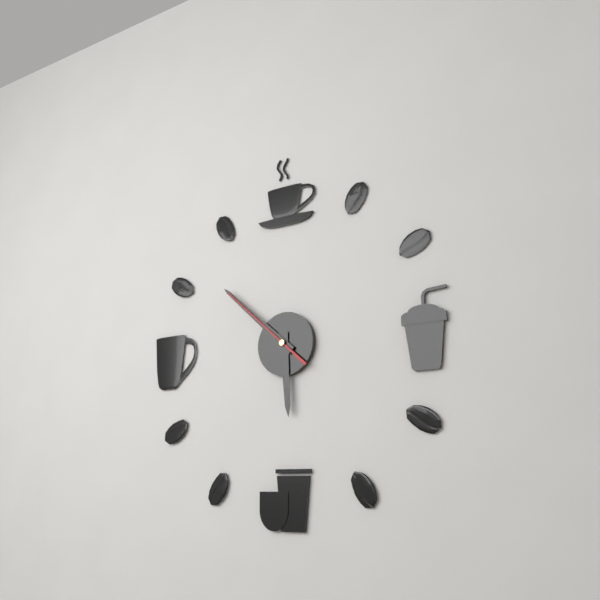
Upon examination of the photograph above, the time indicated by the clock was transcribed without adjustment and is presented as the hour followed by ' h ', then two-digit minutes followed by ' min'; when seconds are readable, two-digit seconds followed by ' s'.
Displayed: 5 h 52 min 52 s
